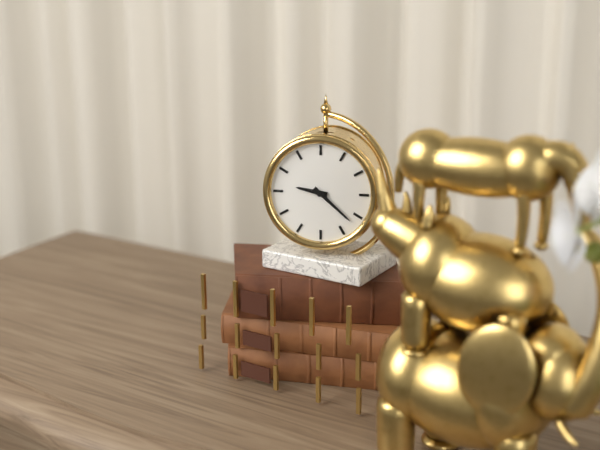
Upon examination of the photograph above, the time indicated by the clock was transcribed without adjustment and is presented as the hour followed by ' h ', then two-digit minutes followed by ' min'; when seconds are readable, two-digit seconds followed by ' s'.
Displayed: 9 h 22 min
